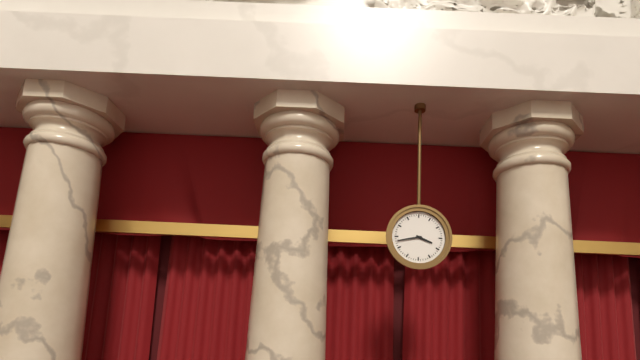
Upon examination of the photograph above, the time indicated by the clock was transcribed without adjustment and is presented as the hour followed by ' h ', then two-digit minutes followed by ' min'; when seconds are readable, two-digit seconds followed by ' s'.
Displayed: 3 h 43 min
